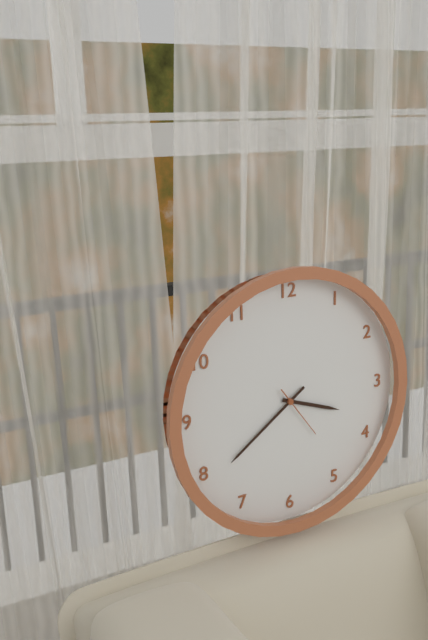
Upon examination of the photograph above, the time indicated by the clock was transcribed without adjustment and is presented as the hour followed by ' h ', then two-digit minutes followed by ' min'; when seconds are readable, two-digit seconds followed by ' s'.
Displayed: 3 h 39 min 24 s
